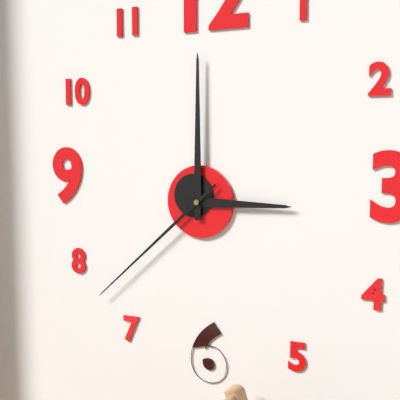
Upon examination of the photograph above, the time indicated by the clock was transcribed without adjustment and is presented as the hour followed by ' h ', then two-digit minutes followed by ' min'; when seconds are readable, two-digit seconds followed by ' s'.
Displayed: 3 h 00 min 38 s
